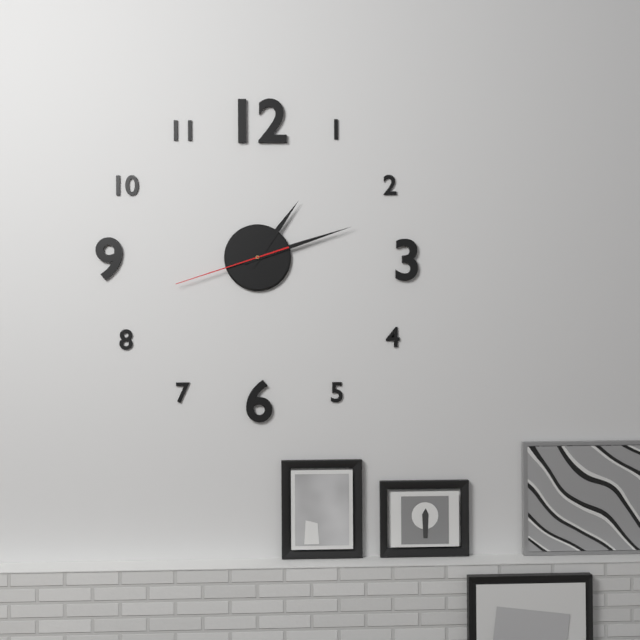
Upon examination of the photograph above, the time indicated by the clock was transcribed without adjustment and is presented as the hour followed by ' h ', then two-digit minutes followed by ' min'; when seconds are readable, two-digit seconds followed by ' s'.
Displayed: 1 h 12 min 42 s
